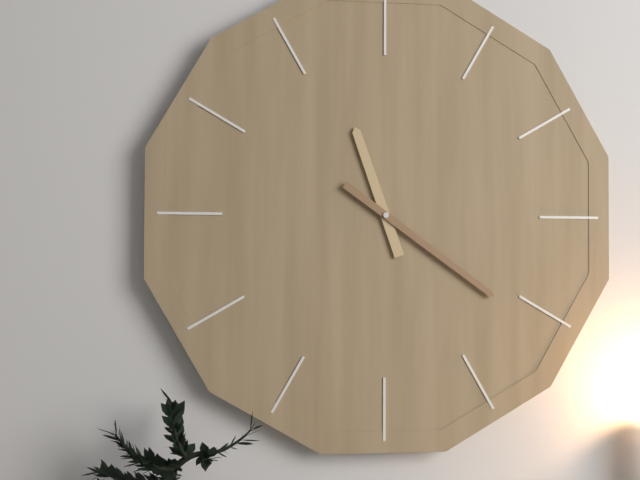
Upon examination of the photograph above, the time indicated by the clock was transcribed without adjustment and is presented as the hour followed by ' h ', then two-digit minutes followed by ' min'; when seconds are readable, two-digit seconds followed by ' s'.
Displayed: 11 h 21 min
